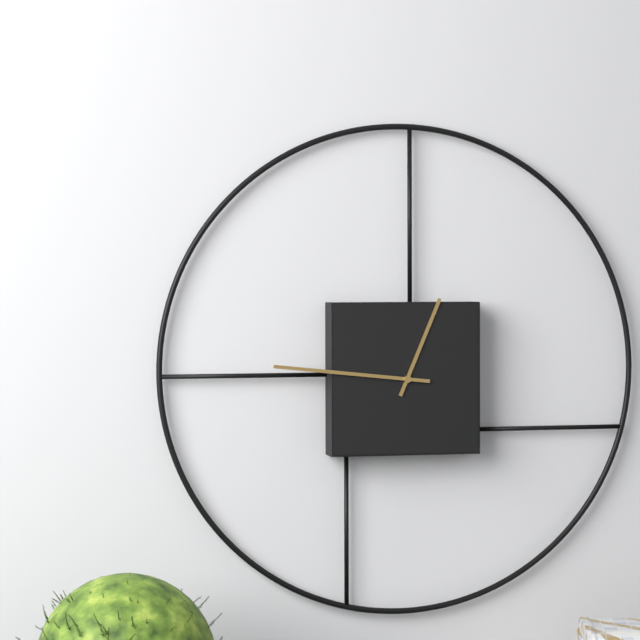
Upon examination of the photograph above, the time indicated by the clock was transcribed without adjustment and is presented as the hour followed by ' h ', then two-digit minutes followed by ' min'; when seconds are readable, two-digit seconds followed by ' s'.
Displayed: 12 h 46 min
